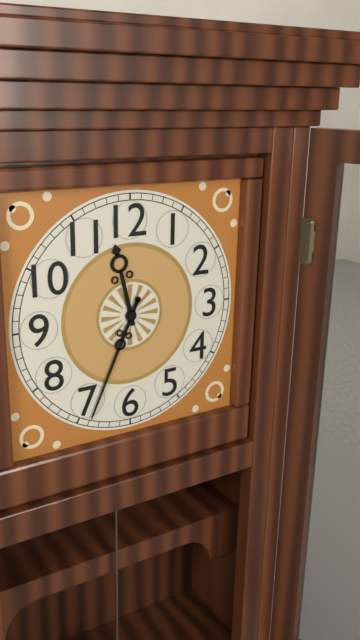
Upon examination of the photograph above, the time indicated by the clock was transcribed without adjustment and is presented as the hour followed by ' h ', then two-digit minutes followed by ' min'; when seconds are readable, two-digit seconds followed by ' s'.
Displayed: 11 h 34 min
